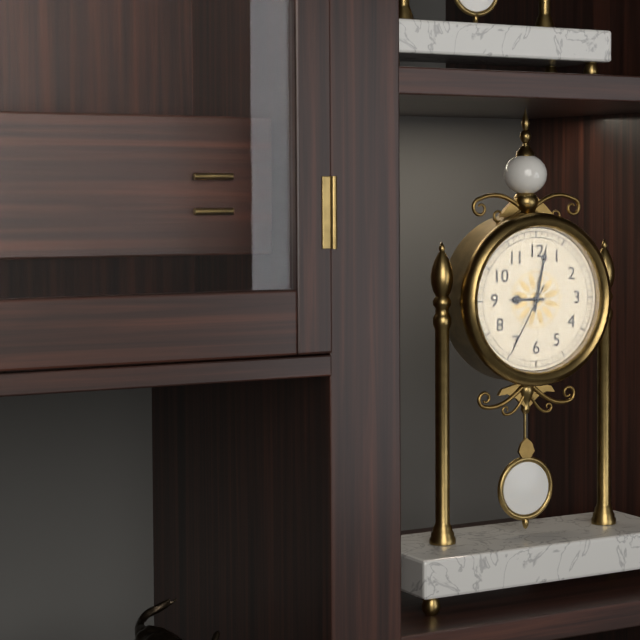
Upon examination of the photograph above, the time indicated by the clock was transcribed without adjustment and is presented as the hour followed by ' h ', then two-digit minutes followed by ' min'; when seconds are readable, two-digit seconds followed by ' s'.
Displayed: 9 h 02 min 35 s
